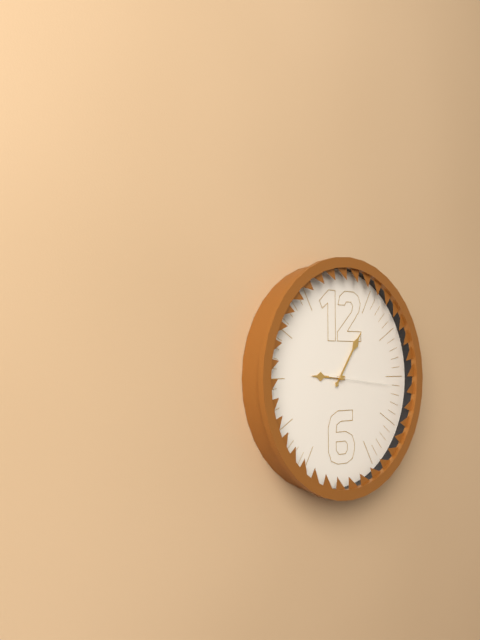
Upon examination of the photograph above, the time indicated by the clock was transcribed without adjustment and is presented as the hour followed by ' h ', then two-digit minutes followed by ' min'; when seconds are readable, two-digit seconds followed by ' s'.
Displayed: 9 h 06 min 16 s
